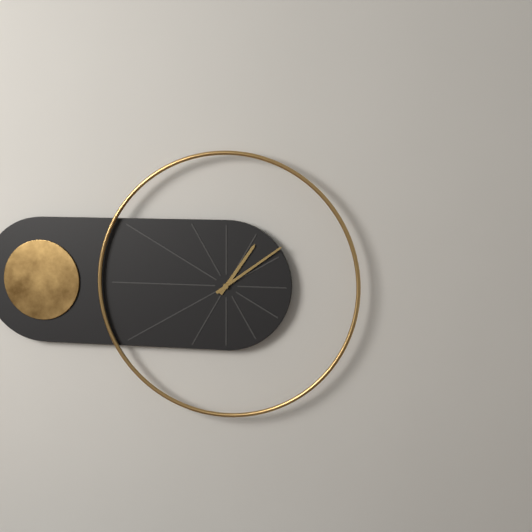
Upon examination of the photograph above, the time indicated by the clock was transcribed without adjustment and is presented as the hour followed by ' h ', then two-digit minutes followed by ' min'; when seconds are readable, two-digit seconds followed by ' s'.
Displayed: 1 h 09 min
